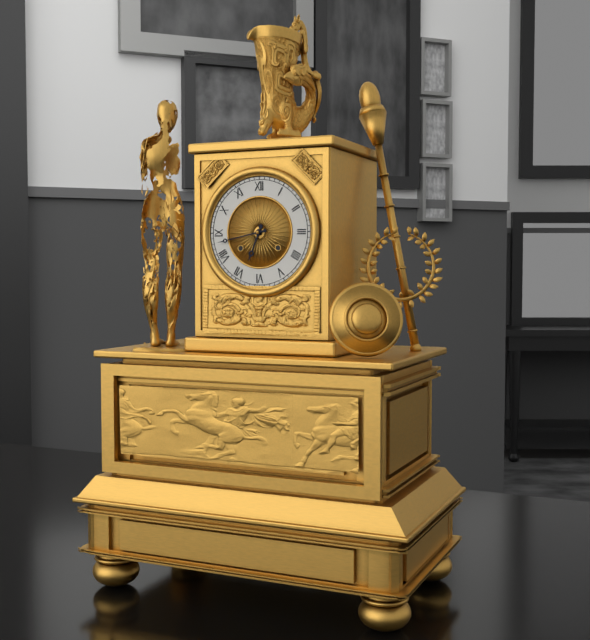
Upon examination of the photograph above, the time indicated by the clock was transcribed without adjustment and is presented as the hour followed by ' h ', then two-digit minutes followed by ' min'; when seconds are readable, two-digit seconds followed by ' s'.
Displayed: 6 h 43 min
